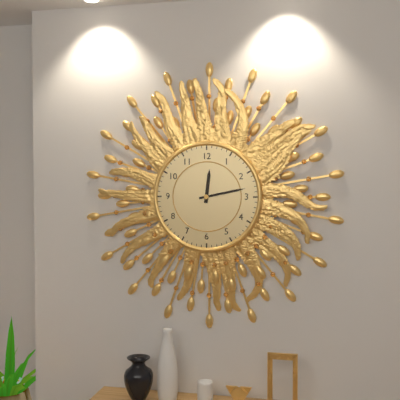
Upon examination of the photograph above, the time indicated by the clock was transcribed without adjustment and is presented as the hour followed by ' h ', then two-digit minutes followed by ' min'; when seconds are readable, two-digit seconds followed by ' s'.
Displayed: 12 h 13 min
